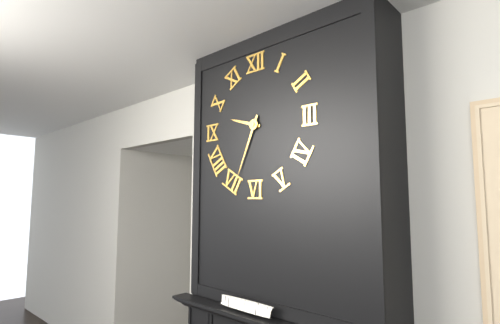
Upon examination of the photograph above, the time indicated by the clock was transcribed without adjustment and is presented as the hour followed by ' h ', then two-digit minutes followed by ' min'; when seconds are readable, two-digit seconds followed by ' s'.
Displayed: 9 h 34 min
